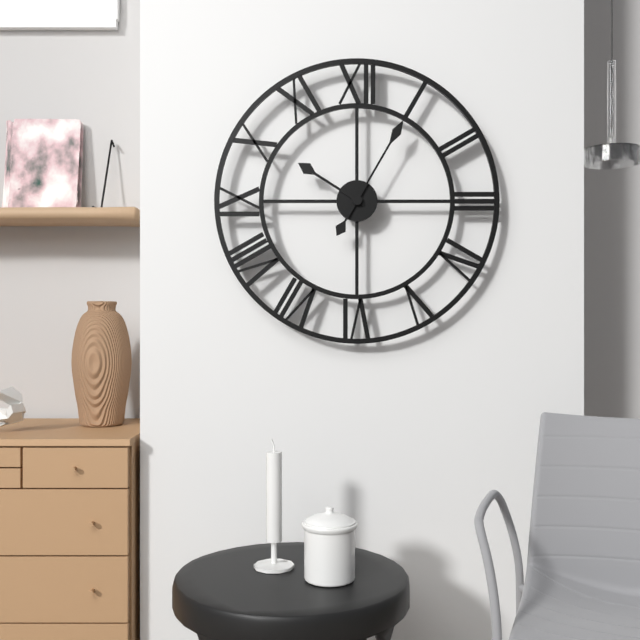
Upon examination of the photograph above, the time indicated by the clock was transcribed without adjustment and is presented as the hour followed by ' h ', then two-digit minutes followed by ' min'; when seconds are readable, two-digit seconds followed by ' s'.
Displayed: 10 h 05 min
